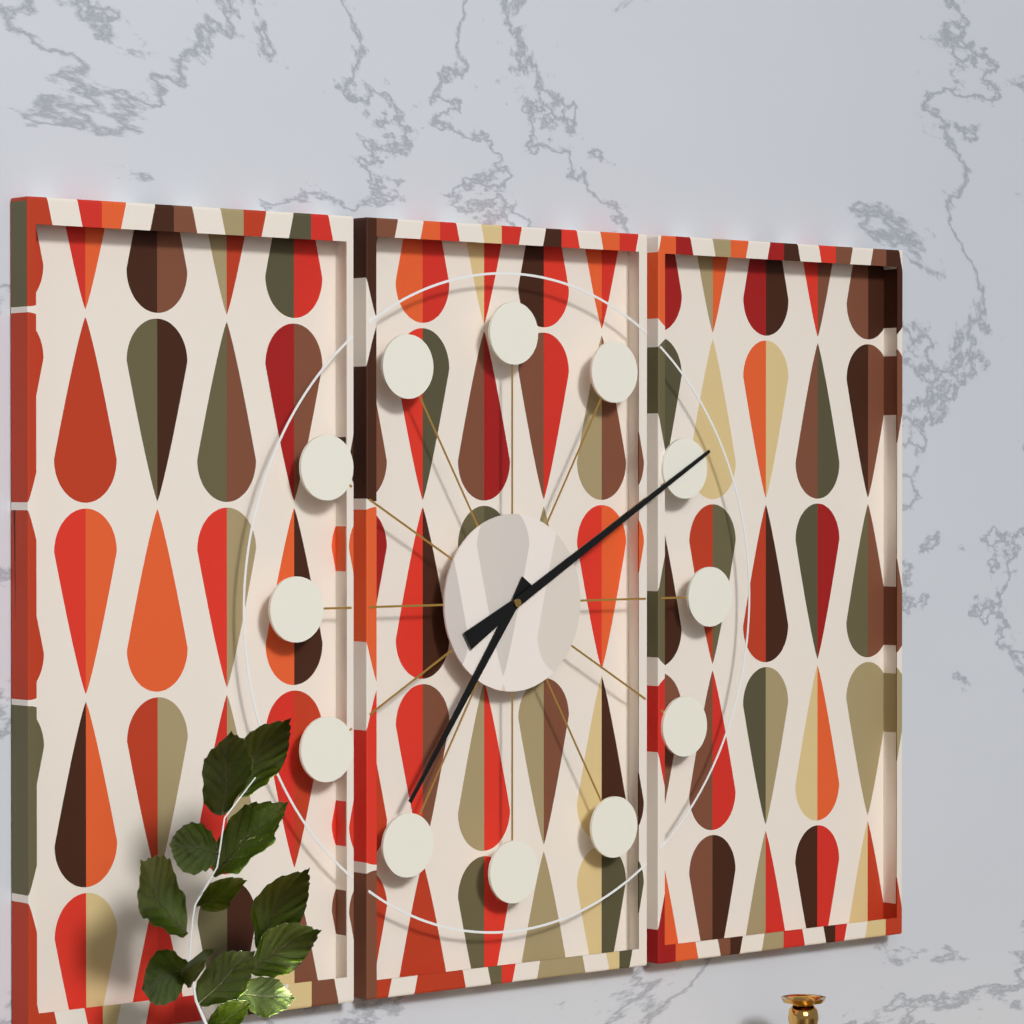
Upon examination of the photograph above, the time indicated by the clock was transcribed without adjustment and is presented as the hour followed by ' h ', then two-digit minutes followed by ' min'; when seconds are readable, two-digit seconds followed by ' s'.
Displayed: 7 h 10 min
